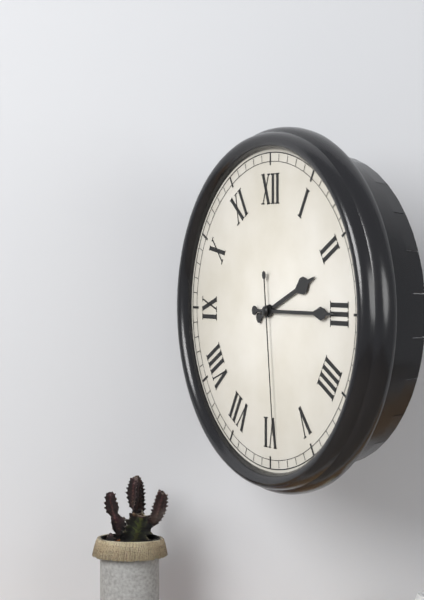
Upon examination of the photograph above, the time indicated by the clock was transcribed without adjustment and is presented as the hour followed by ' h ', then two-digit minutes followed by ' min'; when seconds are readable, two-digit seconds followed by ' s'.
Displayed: 2 h 15 min 29 s
